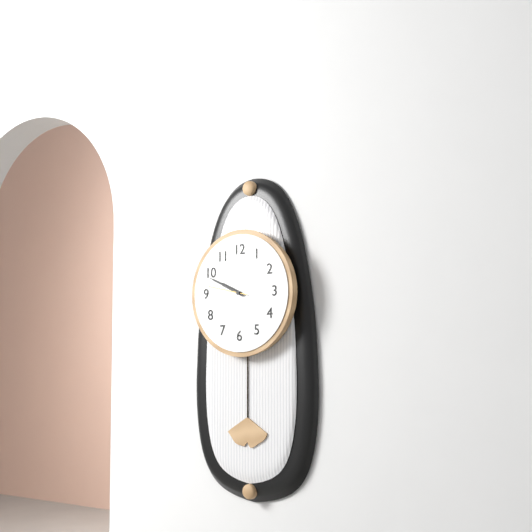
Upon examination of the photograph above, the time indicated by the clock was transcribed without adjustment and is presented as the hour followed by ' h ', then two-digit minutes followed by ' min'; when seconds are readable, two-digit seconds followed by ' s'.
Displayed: 9 h 49 min
